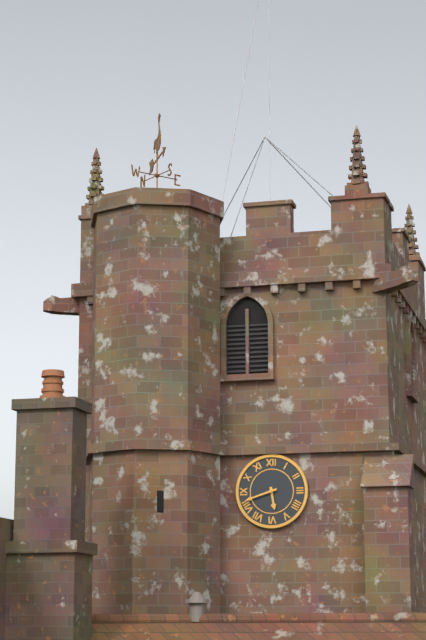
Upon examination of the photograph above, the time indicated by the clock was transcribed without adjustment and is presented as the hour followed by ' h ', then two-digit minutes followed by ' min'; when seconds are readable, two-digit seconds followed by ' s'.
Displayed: 5 h 42 min
